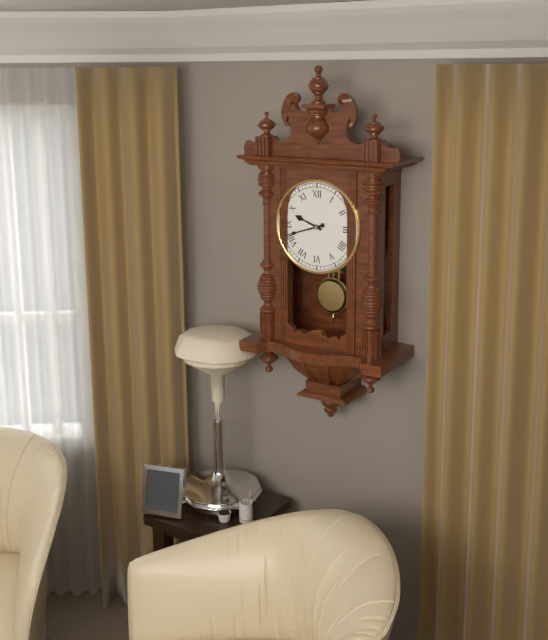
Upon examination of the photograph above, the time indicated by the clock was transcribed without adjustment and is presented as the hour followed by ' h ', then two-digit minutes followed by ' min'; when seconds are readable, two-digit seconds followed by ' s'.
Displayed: 9 h 42 min
